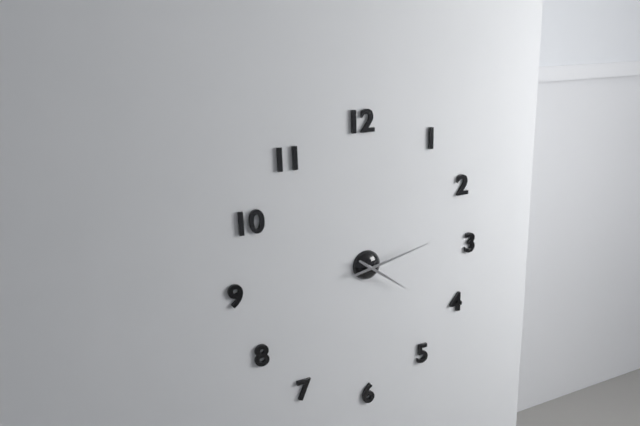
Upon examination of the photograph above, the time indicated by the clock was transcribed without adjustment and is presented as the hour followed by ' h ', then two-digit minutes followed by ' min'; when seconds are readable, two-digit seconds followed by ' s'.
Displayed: 4 h 13 min
